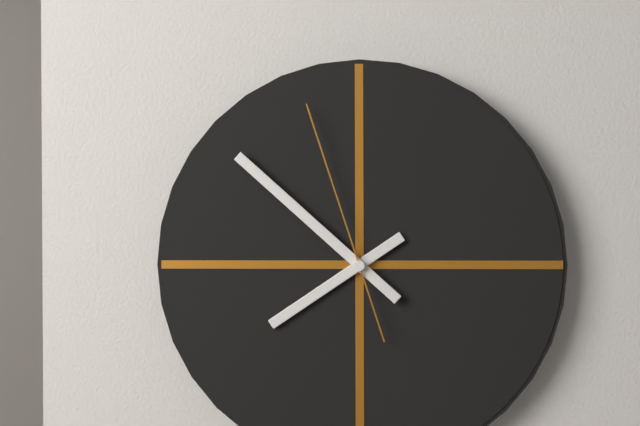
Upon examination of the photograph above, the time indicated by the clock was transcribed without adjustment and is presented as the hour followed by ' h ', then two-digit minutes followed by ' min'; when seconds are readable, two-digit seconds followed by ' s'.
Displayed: 7 h 52 min 57 s
